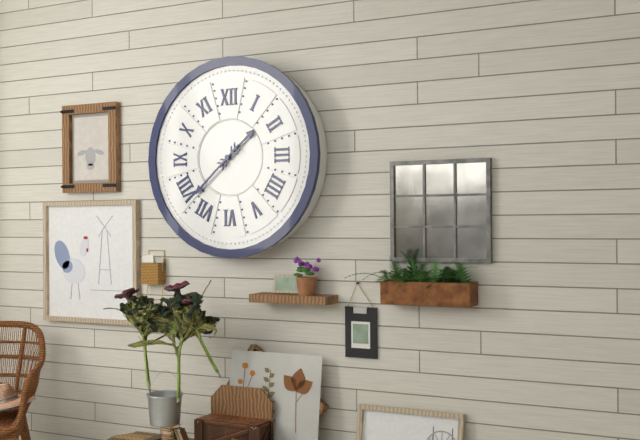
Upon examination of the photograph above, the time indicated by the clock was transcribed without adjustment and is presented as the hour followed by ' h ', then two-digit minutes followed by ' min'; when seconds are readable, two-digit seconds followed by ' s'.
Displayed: 1 h 38 min
